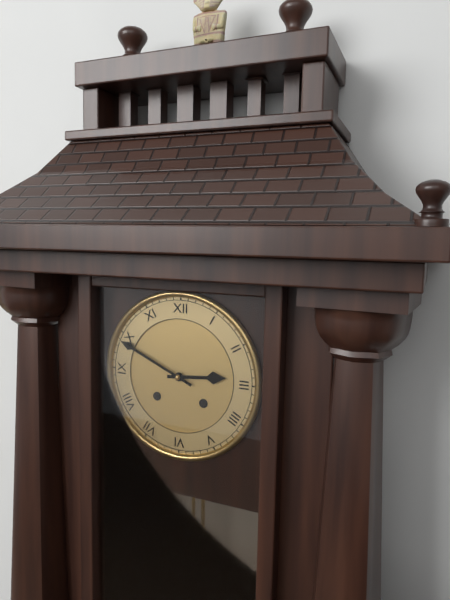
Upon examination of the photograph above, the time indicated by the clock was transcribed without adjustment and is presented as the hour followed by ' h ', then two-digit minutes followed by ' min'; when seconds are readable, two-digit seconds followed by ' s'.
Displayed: 2 h 49 min
